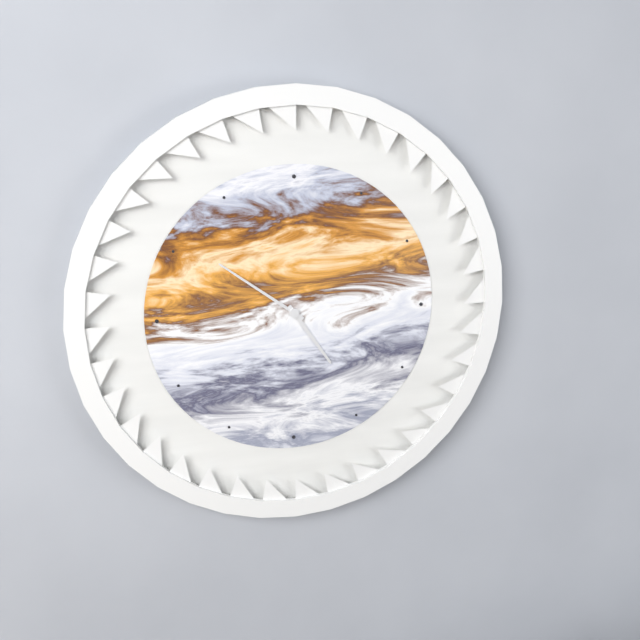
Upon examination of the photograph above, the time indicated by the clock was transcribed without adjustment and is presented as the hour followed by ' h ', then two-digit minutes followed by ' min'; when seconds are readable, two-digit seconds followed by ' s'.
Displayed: 4 h 51 min
